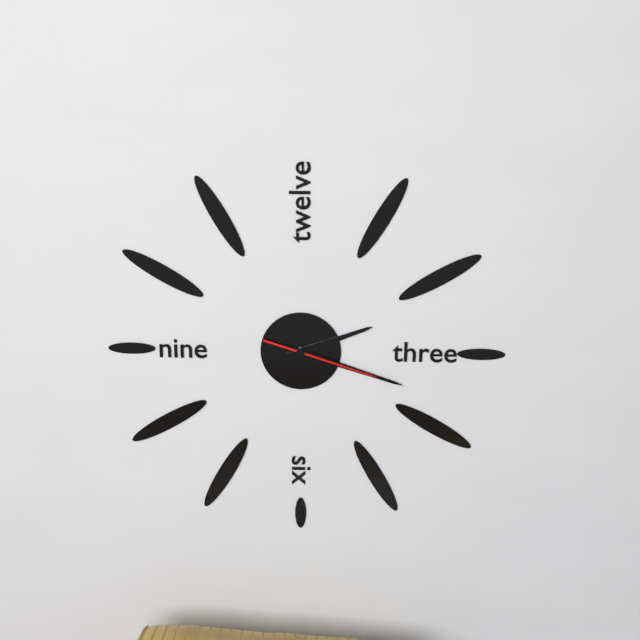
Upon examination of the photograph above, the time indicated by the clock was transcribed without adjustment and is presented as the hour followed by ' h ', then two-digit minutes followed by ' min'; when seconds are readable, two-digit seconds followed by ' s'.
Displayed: 2 h 18 min 18 s
